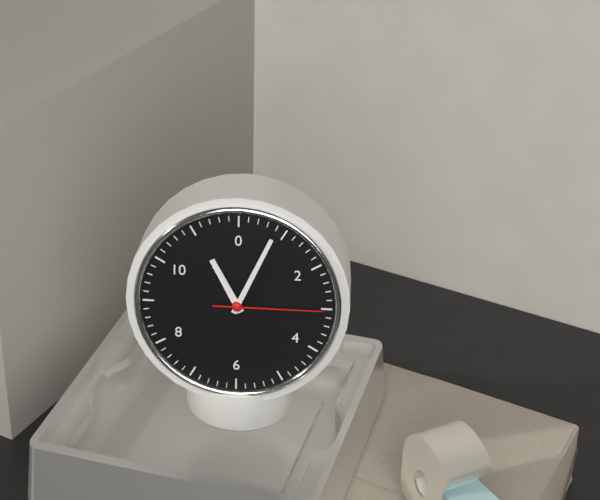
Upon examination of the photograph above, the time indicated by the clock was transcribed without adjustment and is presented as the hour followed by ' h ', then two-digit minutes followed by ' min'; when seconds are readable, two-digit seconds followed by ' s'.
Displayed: 11 h 04 min 15 s
